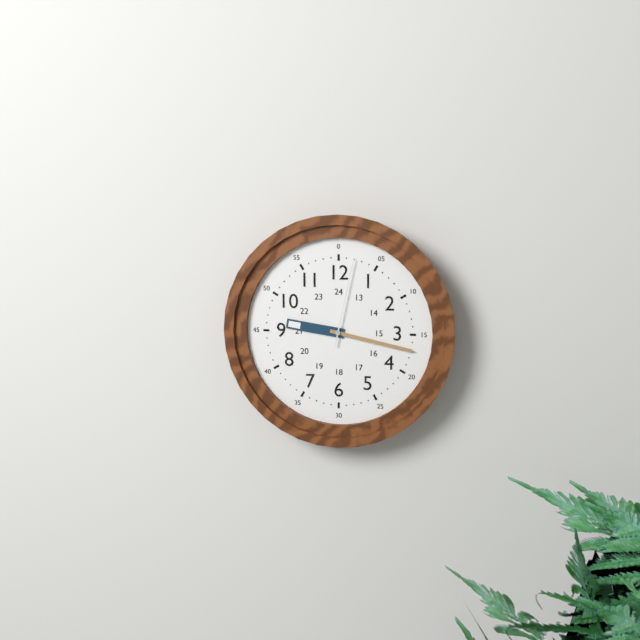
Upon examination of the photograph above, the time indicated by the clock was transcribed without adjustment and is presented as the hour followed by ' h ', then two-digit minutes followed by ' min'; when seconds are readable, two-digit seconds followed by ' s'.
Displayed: 9 h 17 min 02 s
